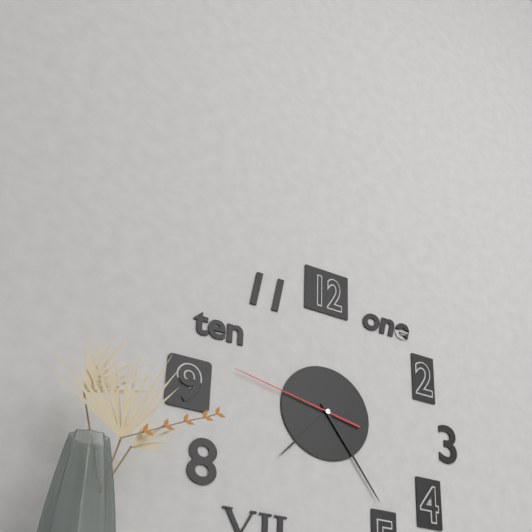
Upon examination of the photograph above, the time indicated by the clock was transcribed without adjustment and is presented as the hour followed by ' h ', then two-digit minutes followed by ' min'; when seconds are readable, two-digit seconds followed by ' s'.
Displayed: 7 h 24 min 47 s
